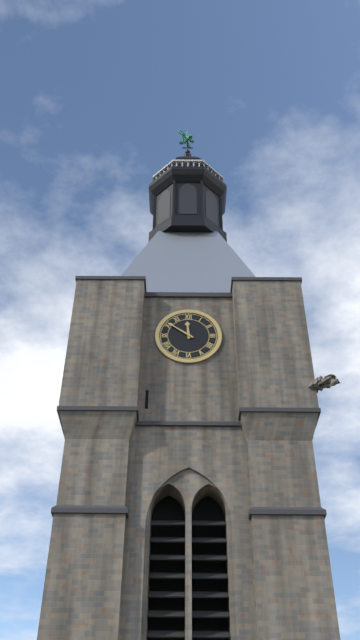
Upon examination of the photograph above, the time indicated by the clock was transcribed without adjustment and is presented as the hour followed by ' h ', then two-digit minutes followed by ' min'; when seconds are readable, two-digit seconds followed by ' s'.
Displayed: 11 h 51 min
